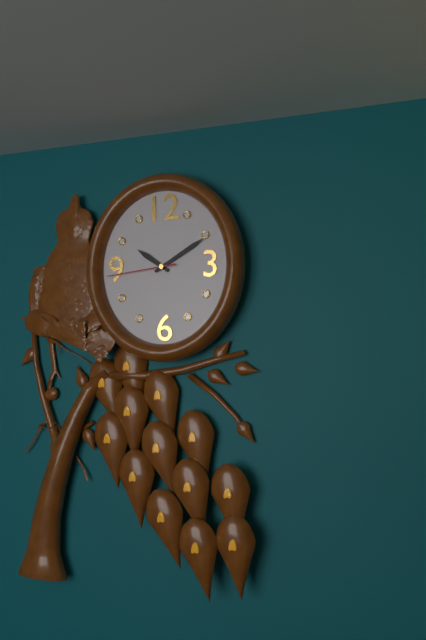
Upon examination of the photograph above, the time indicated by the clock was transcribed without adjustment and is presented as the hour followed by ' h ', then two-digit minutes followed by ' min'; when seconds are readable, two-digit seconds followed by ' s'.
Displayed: 10 h 10 min 44 s
